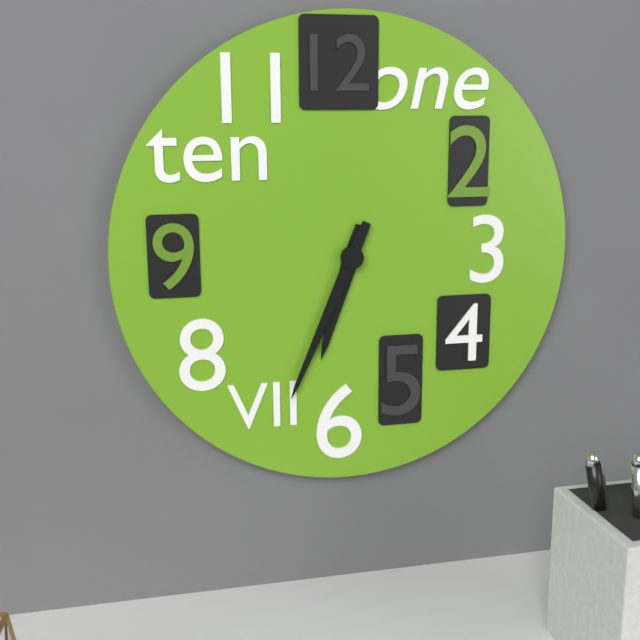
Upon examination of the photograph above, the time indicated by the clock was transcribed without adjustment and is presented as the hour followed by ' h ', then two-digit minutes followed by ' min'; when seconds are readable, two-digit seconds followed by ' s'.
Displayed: 6 h 34 min
